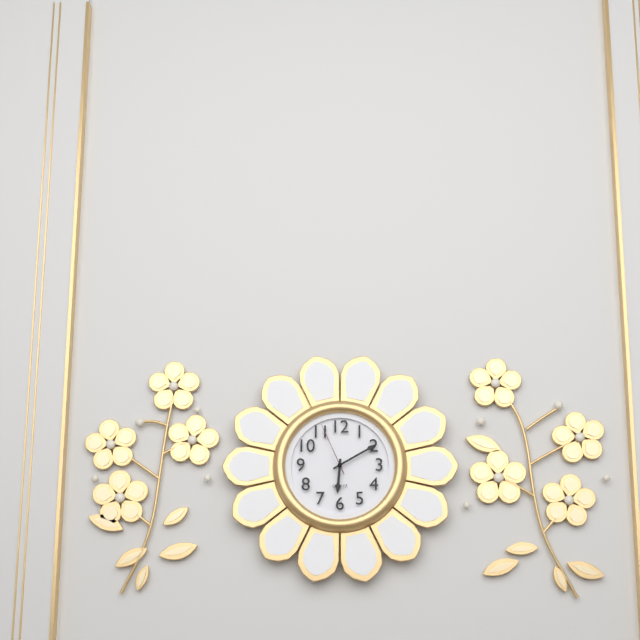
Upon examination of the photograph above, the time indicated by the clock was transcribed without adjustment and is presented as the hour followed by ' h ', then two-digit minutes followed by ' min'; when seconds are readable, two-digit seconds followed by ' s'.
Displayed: 6 h 10 min 56 s
